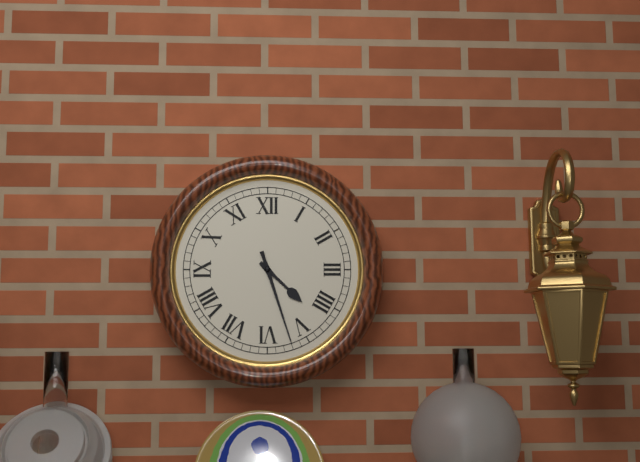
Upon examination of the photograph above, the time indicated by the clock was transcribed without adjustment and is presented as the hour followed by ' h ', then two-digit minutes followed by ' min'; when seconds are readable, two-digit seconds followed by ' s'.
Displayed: 4 h 27 min
